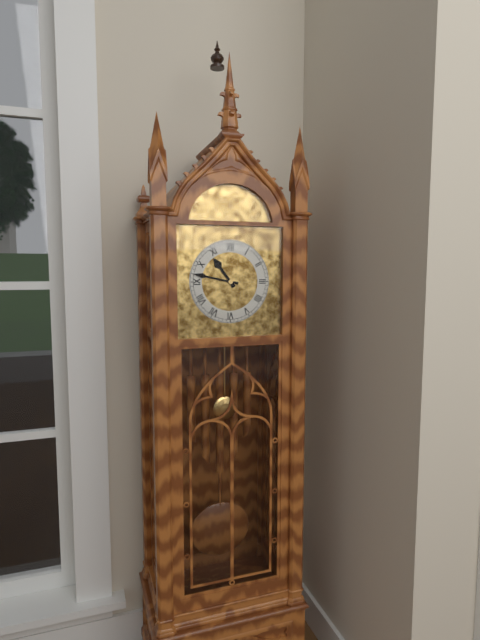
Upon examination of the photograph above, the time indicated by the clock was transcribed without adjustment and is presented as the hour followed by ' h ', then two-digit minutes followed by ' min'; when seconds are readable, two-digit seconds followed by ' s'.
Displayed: 10 h 47 min
